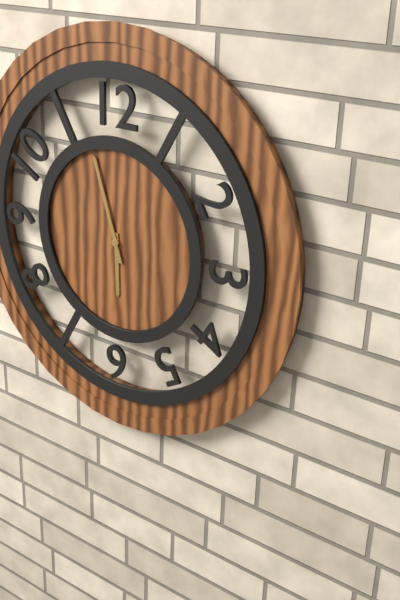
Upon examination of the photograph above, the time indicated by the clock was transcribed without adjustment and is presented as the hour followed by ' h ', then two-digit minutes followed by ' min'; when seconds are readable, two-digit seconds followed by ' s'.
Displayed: 5 h 57 min
